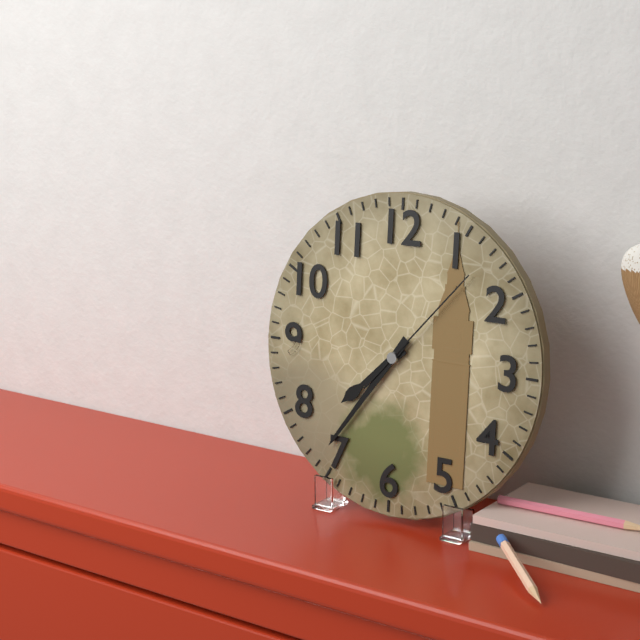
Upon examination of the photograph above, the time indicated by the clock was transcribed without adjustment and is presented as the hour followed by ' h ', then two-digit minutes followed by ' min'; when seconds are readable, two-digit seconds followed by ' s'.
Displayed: 7 h 36 min 07 s
